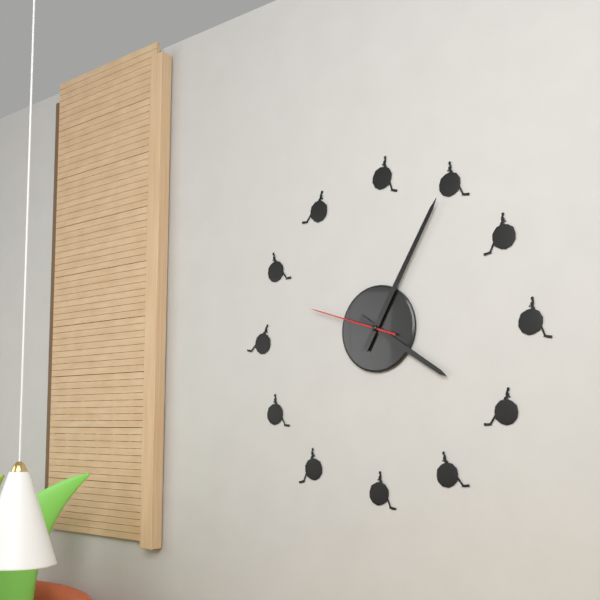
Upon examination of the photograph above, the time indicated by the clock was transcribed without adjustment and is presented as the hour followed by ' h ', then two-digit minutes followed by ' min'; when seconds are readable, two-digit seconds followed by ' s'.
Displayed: 4 h 05 min 48 s
